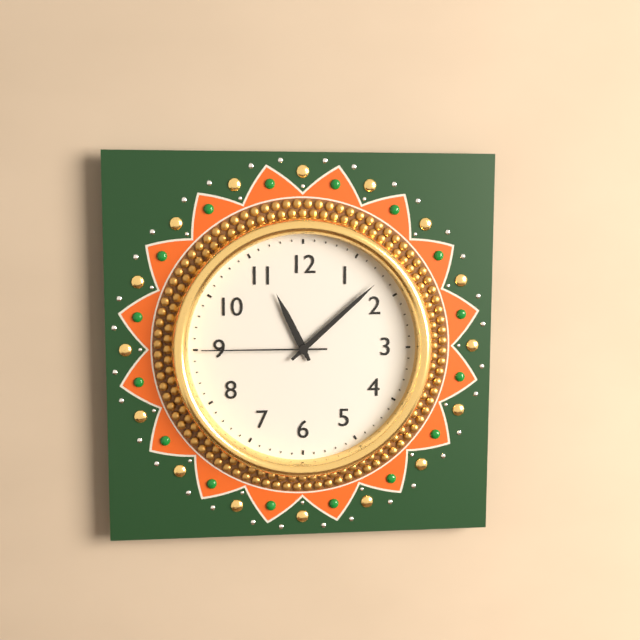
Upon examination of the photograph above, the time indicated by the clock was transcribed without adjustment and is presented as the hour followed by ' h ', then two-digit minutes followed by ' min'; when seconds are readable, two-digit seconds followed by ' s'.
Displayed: 11 h 08 min 45 s
